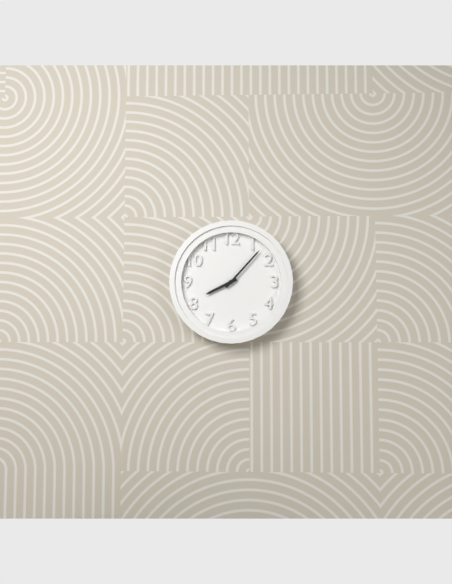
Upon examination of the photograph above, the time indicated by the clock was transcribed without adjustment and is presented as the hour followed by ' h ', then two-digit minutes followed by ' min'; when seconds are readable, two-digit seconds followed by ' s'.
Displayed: 8 h 07 min
